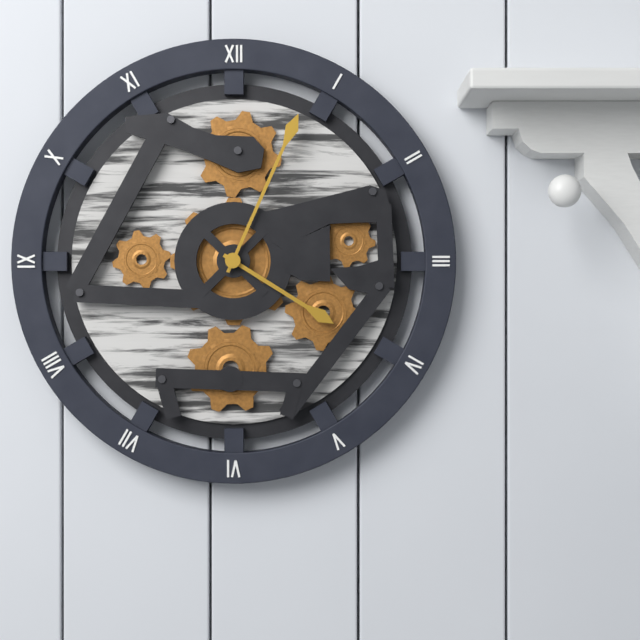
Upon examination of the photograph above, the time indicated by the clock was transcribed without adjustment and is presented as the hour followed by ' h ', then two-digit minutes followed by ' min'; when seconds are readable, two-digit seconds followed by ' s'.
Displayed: 4 h 04 min
